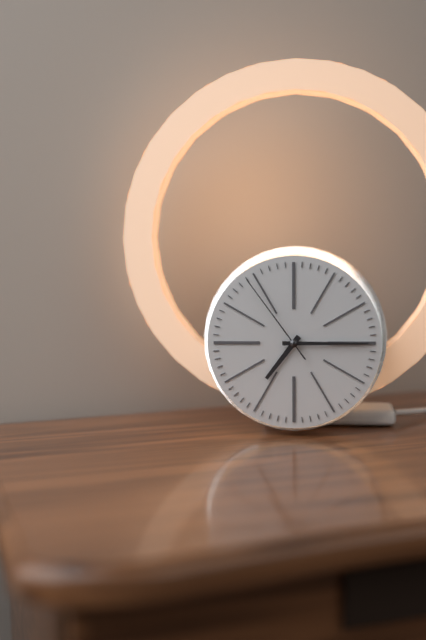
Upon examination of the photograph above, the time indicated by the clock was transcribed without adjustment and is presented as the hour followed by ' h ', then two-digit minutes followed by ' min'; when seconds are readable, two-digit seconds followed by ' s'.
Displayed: 7 h 15 min 54 s
